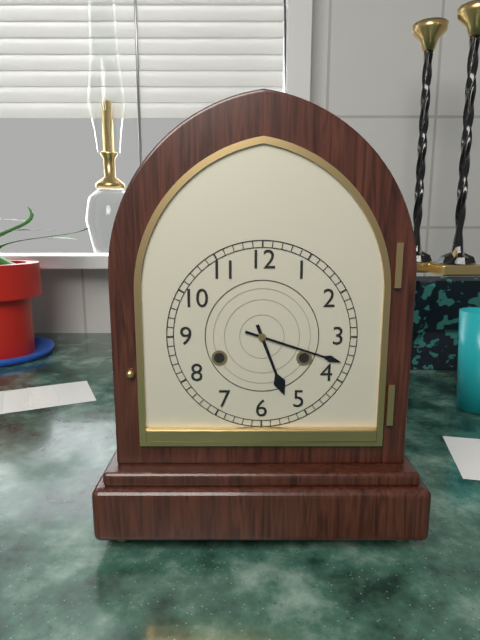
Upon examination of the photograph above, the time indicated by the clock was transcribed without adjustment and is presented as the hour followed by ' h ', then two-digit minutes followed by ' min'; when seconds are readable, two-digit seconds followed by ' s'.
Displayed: 5 h 18 min
